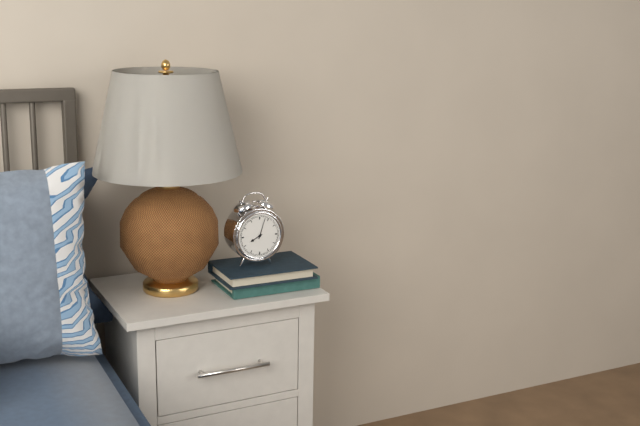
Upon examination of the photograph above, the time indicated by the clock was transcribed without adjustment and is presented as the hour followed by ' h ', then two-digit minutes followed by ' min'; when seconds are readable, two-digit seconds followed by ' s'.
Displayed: 8 h 03 min
